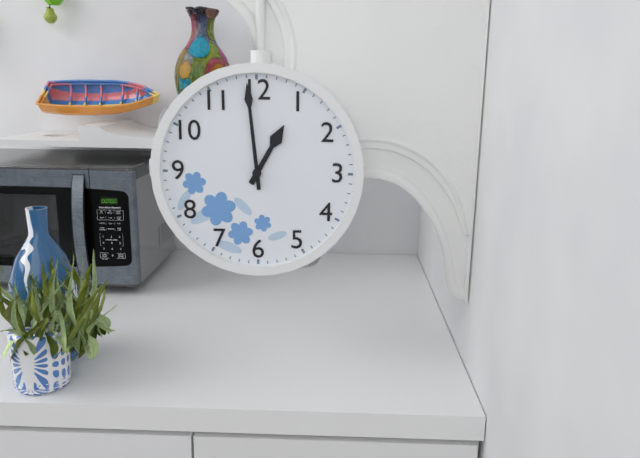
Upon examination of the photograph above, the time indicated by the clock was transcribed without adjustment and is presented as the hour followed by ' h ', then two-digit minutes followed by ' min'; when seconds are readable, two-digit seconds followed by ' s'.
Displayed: 12 h 59 min
